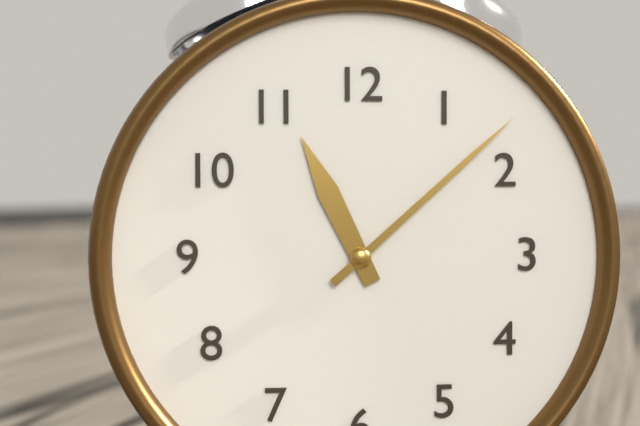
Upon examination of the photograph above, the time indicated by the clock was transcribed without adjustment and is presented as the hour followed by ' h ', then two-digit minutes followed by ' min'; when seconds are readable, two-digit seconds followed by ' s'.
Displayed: 11 h 08 min
